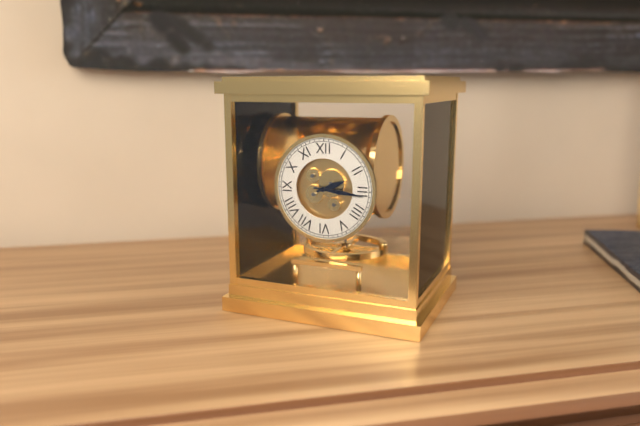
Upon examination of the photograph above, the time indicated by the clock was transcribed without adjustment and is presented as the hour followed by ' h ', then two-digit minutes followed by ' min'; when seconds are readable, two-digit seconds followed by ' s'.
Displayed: 2 h 16 min
